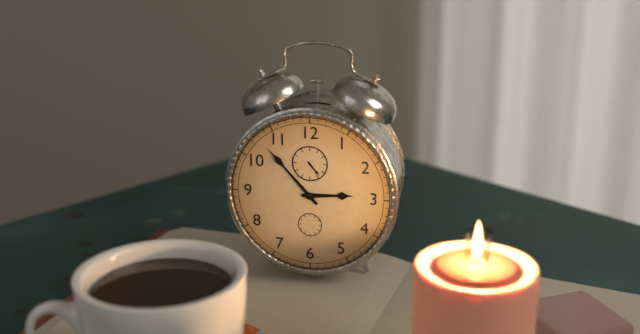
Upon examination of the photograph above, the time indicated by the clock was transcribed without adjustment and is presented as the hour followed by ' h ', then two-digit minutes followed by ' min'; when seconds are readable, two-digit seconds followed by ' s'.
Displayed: 2 h 53 min
